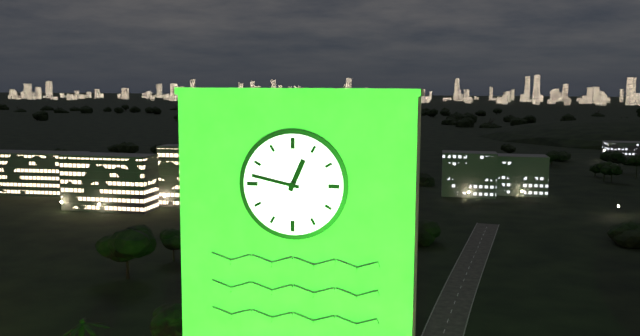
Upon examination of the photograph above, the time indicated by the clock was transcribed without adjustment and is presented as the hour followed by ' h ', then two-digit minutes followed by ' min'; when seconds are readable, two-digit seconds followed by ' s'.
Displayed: 12 h 47 min
